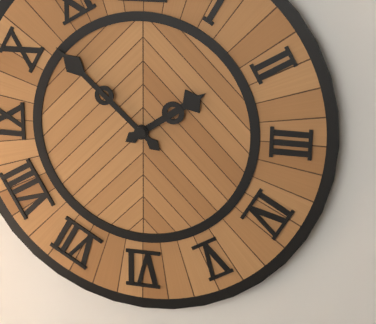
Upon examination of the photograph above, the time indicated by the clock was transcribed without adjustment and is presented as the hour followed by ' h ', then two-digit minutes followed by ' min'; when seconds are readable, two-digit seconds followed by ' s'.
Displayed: 1 h 52 min
